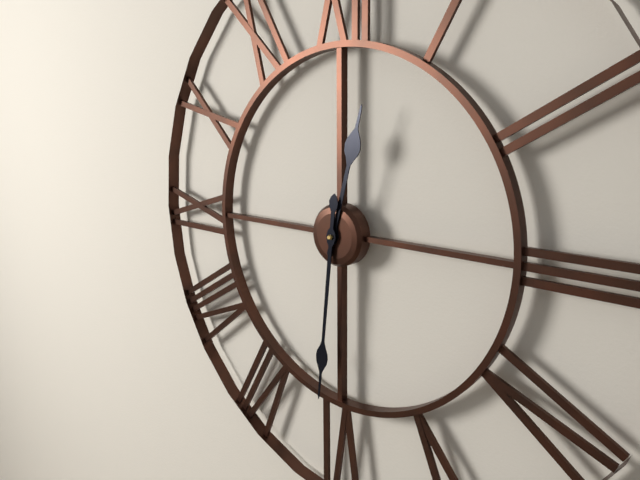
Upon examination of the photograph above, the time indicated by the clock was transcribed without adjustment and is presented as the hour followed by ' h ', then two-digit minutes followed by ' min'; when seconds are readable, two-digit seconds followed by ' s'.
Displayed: 12 h 31 min
